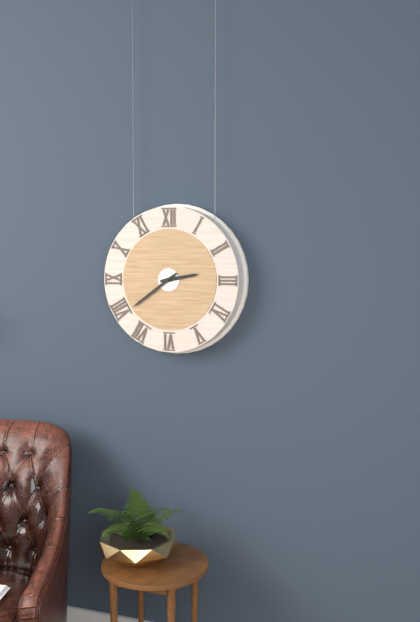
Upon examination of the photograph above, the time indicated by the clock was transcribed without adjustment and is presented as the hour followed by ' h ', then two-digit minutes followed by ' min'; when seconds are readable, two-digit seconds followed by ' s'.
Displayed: 2 h 39 min
